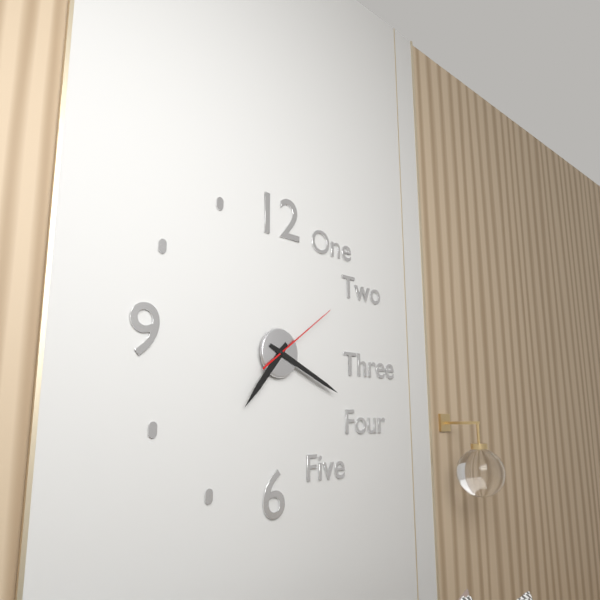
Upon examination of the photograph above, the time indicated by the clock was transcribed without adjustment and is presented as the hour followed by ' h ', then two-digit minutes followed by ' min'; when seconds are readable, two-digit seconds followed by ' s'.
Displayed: 7 h 19 min 09 s
